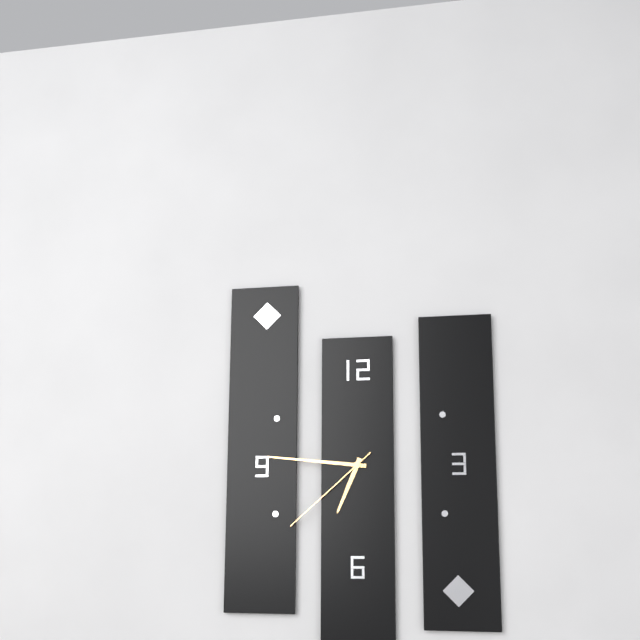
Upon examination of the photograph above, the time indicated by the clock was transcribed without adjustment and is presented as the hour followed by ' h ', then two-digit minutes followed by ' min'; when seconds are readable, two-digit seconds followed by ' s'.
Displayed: 6 h 46 min 38 s
